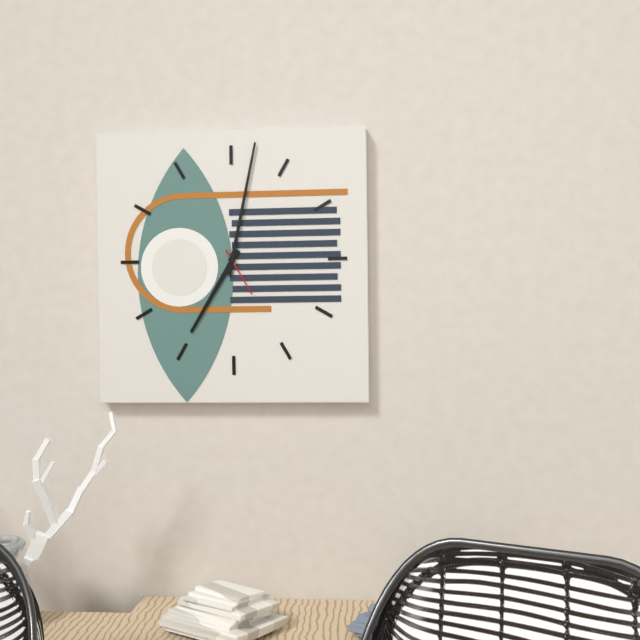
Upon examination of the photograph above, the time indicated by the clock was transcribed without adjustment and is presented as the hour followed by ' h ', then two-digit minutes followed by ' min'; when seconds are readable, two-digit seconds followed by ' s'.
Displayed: 7 h 02 min
